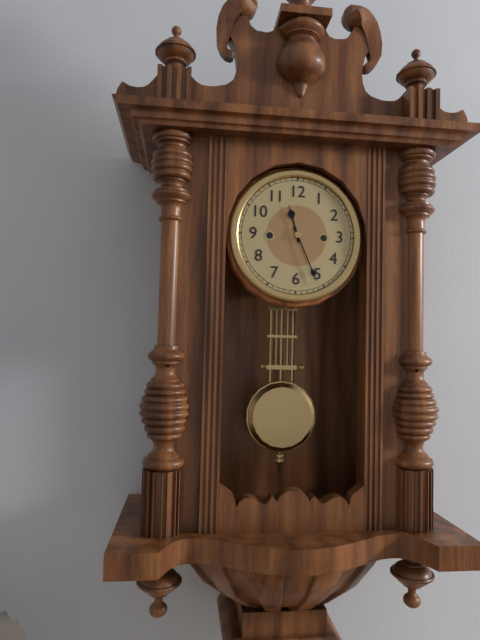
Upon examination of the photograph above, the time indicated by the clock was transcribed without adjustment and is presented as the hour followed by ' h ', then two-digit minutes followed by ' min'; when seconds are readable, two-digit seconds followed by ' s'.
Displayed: 11 h 26 min
